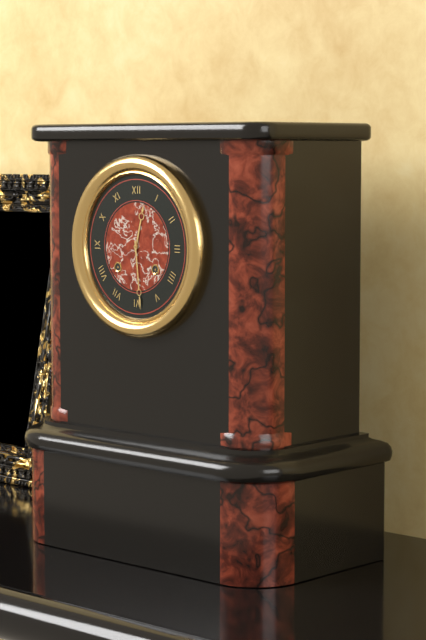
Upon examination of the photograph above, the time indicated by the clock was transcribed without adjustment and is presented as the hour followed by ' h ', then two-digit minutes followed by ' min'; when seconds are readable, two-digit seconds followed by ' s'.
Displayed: 12 h 29 min
